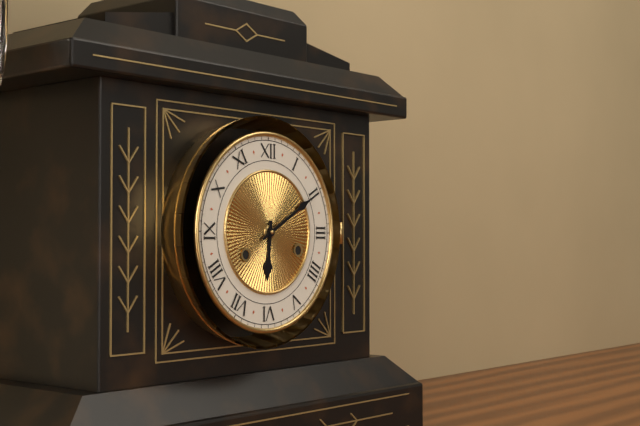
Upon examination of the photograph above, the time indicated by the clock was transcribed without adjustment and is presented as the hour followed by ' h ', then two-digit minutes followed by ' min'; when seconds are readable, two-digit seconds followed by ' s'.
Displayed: 6 h 10 min
